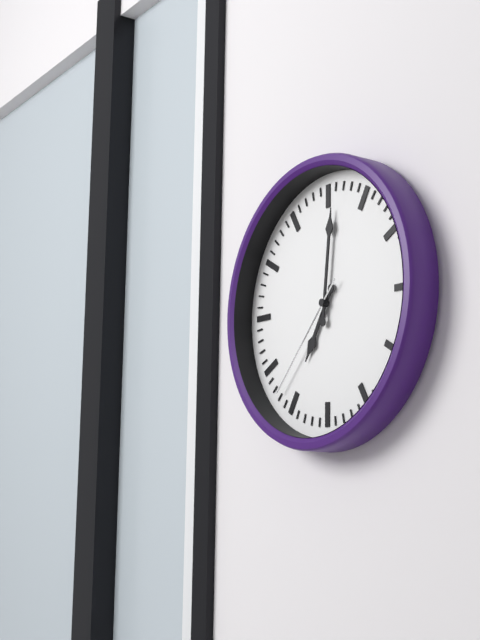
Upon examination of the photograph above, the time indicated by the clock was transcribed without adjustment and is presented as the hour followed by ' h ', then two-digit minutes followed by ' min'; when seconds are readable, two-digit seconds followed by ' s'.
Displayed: 7 h 01 min 37 s
